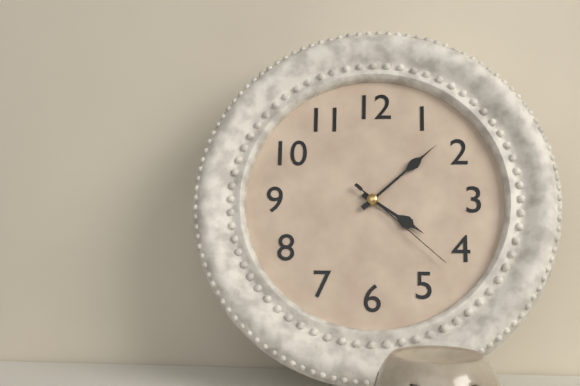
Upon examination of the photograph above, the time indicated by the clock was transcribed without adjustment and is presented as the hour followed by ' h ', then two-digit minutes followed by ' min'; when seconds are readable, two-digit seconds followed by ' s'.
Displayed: 4 h 08 min 22 s
